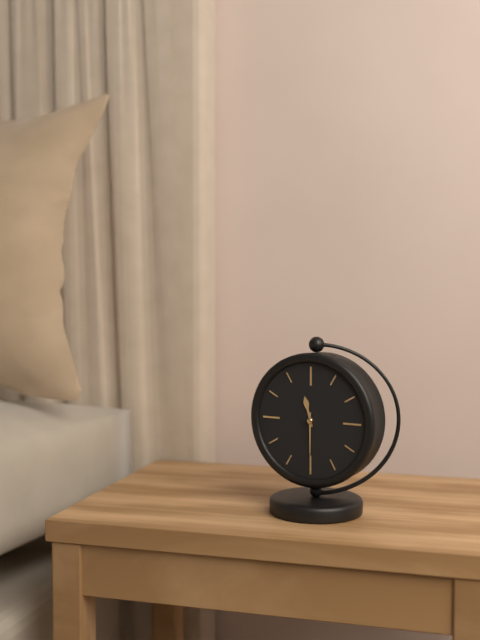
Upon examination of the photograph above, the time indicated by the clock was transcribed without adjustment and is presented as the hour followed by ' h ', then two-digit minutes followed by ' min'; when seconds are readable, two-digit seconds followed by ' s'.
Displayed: 11 h 30 min
